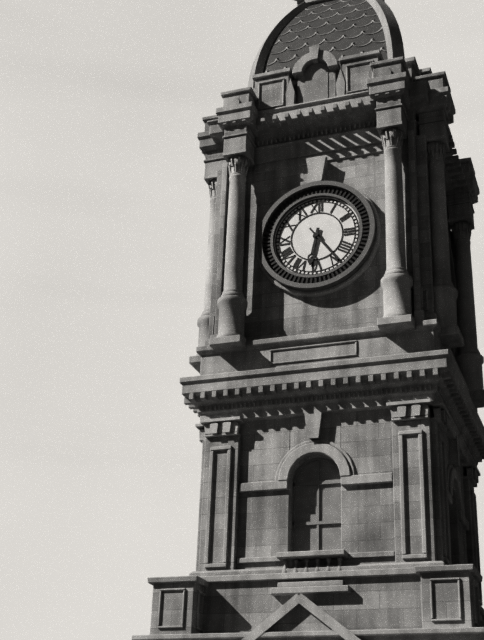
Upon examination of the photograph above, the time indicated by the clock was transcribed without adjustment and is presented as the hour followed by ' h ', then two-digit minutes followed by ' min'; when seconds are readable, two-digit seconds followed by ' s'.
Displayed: 6 h 24 min
